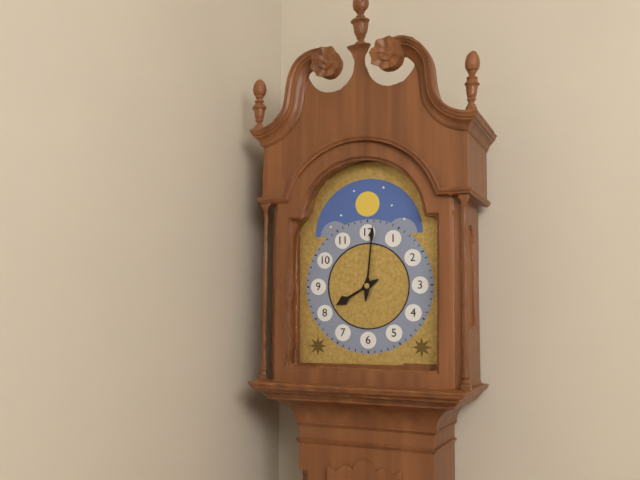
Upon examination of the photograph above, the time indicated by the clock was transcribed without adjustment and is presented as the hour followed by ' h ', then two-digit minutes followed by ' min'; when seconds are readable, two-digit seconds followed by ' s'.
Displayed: 8 h 01 min
